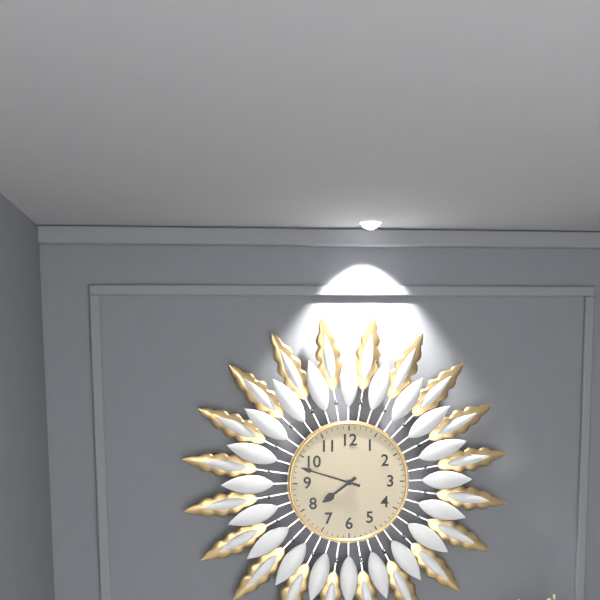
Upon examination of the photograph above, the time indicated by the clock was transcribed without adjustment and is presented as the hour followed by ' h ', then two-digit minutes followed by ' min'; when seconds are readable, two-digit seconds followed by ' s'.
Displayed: 7 h 48 min
